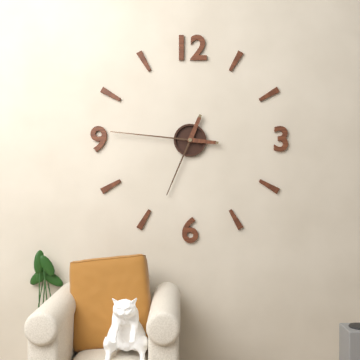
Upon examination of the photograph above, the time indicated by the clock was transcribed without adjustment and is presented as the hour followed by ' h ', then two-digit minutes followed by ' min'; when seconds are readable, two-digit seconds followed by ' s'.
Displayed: 6 h 46 min
